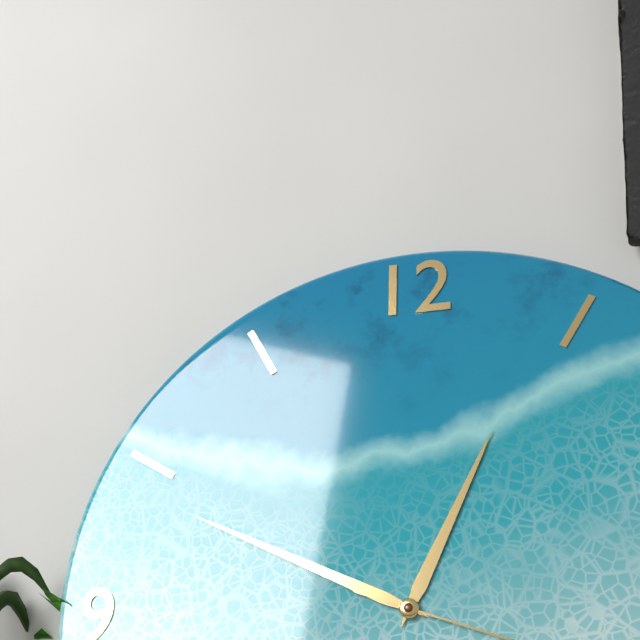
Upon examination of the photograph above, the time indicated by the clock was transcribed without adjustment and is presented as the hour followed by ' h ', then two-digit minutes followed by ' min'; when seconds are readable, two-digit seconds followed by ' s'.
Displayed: 12 h 49 min
